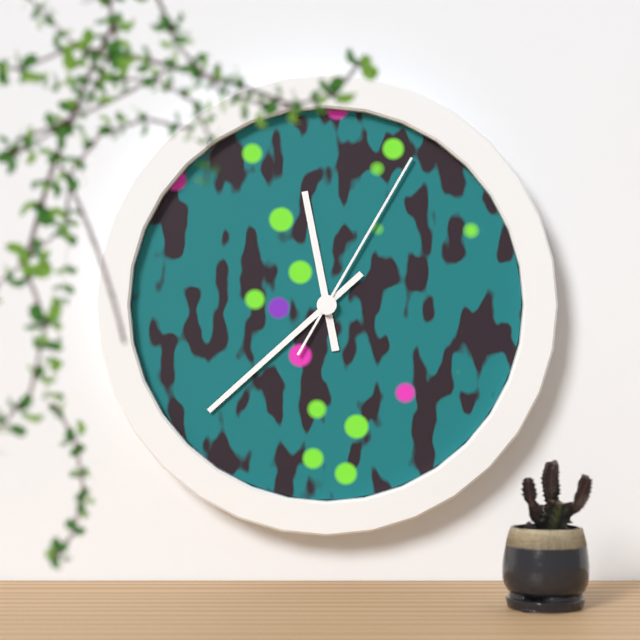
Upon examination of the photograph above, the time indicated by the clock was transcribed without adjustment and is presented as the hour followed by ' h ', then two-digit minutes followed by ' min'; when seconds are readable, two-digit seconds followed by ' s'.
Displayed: 11 h 38 min 05 s
